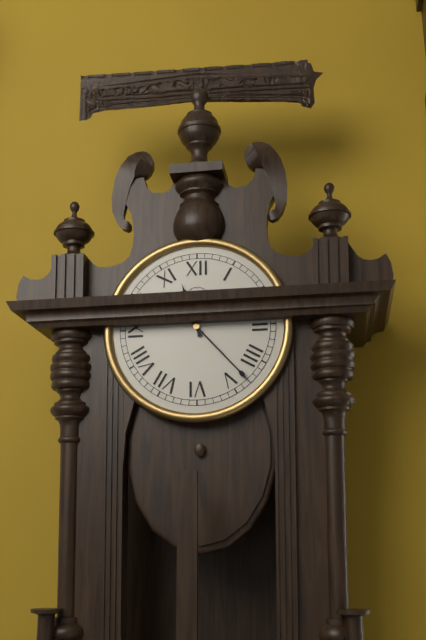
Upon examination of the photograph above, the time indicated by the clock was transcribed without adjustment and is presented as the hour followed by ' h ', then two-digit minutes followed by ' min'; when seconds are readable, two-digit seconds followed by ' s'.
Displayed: 11 h 23 min
